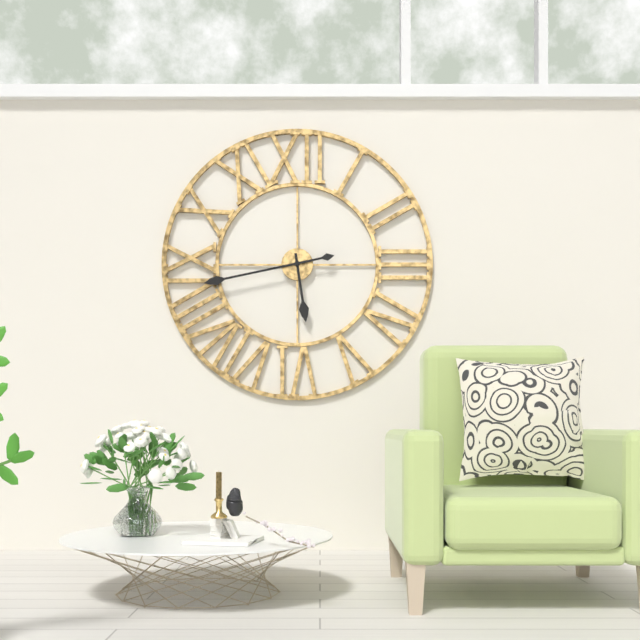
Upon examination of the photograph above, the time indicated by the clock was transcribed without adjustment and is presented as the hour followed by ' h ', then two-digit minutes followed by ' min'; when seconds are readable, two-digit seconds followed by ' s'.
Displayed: 5 h 43 min
